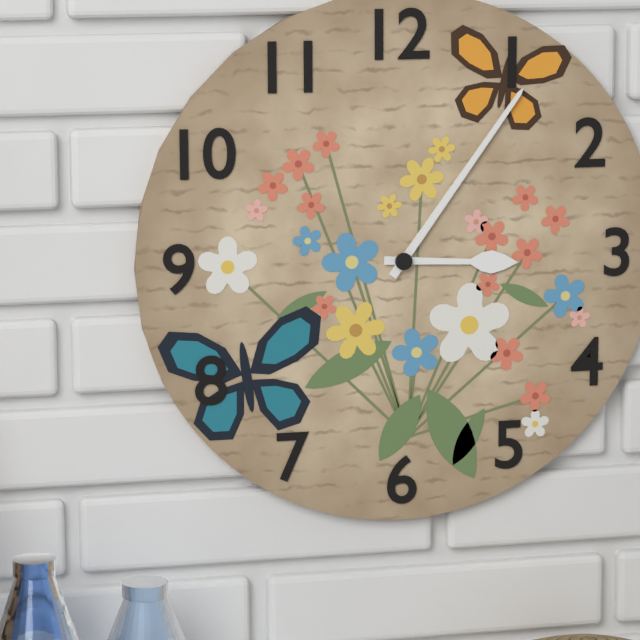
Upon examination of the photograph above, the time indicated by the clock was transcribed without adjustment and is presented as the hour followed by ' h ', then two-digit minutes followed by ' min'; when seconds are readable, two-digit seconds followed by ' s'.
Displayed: 3 h 06 min
